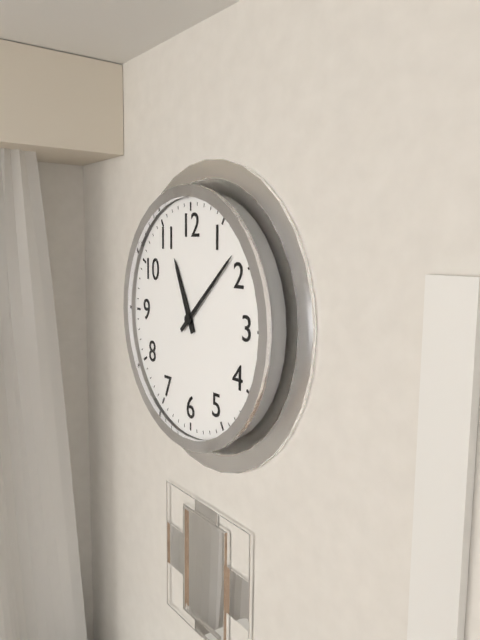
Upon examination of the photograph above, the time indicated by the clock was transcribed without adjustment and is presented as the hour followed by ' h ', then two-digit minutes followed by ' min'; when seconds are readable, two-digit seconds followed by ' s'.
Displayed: 11 h 08 min
